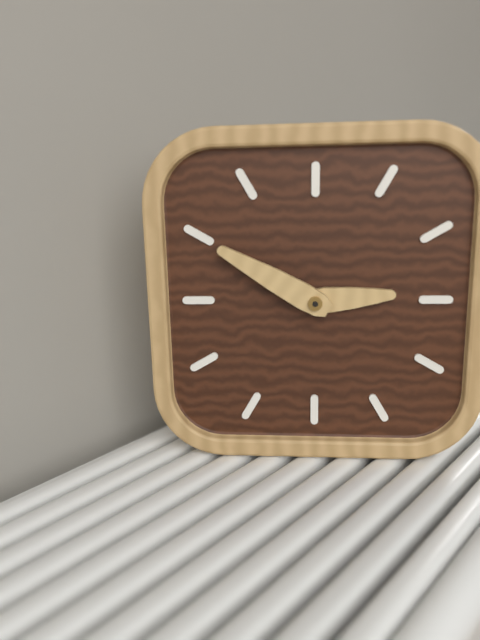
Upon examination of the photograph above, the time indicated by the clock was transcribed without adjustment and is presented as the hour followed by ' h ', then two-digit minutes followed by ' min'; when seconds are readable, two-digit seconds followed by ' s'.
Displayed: 2 h 50 min
